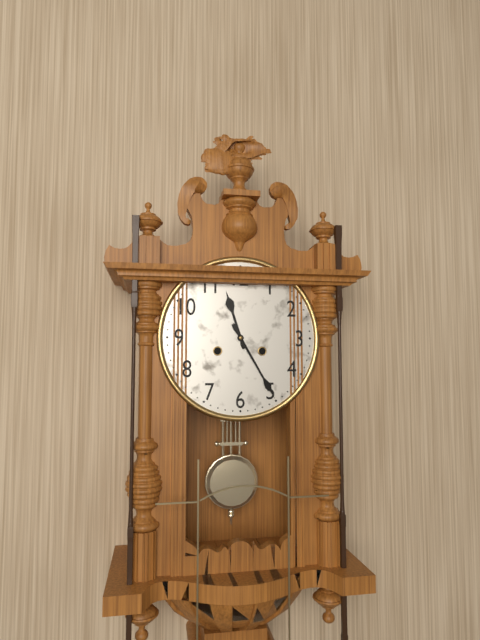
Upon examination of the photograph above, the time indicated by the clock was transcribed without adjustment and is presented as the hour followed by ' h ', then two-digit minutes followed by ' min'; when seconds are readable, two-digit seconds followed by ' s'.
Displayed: 11 h 25 min
